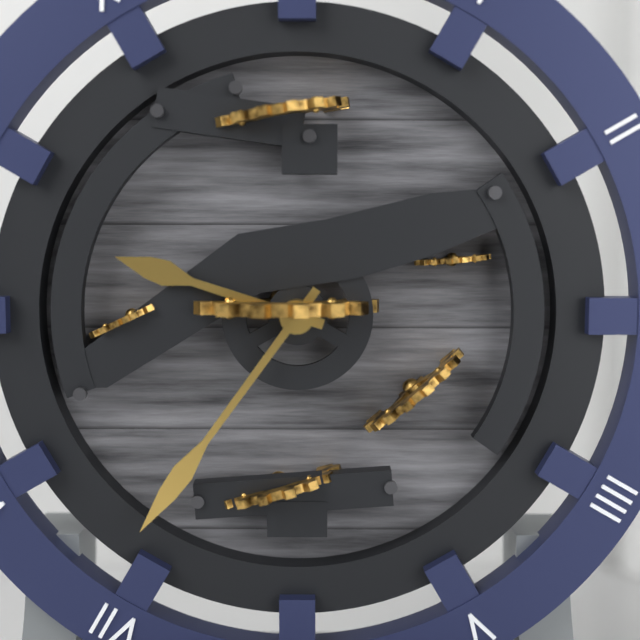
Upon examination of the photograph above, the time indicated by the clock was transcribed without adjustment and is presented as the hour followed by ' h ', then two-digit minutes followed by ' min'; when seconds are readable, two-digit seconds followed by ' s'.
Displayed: 9 h 36 min
